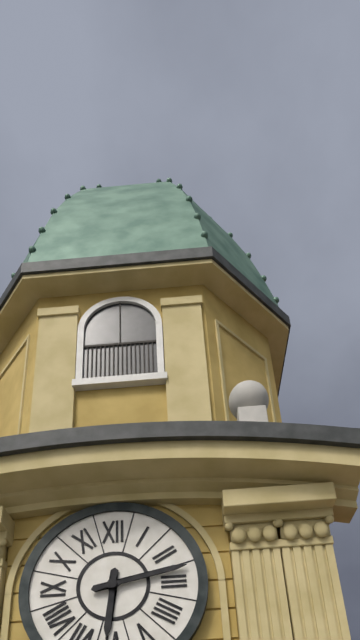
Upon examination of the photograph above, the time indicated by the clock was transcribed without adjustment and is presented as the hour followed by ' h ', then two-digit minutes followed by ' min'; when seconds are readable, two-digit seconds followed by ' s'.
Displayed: 6 h 13 min
